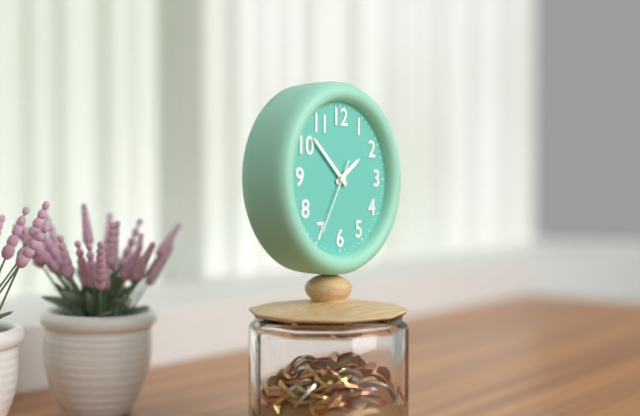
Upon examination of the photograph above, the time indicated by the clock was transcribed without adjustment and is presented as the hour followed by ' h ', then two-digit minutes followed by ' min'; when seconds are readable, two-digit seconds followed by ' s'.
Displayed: 1 h 52 min 35 s
